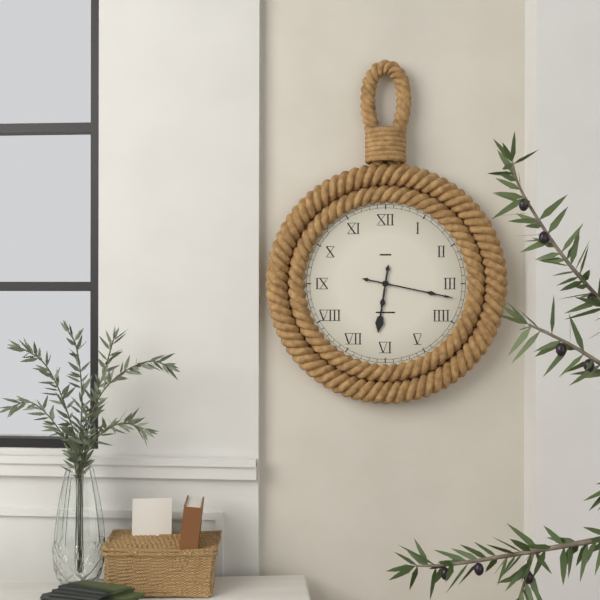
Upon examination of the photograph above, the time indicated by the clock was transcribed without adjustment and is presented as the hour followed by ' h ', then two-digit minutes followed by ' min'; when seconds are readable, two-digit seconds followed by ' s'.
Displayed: 6 h 17 min
